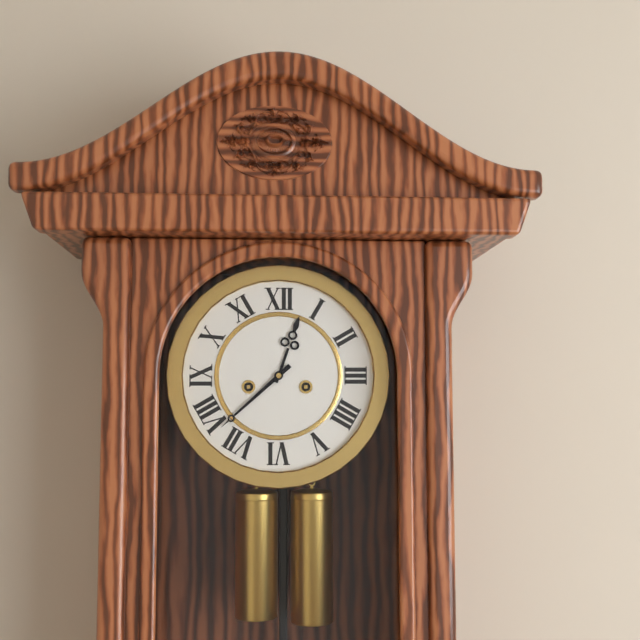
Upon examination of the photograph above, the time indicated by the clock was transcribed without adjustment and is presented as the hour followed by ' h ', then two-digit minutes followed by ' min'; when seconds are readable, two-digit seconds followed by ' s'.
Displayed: 12 h 38 min
